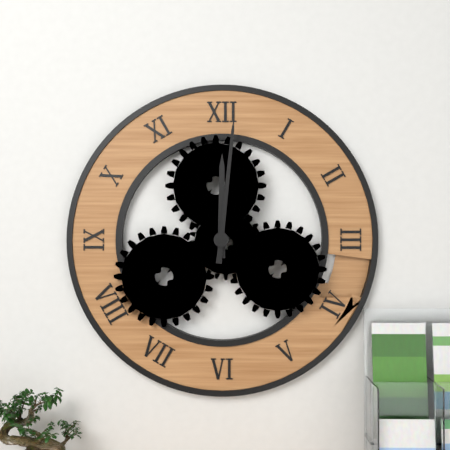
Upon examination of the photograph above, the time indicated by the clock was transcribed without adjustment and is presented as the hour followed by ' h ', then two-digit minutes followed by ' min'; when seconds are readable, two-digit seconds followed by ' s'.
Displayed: 12 h 01 min
